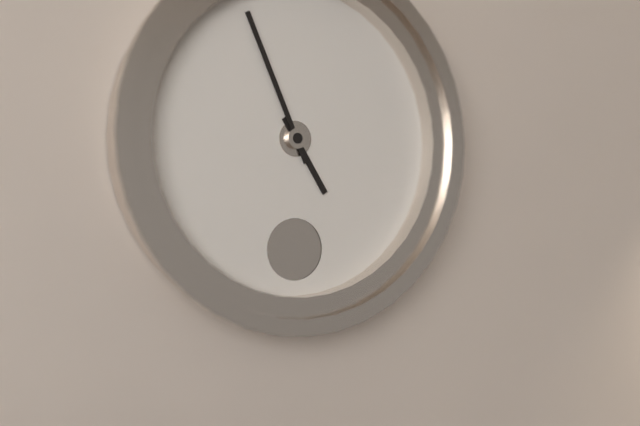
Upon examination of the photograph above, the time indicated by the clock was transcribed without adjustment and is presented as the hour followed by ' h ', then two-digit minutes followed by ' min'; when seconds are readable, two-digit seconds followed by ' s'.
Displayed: 4 h 56 min
